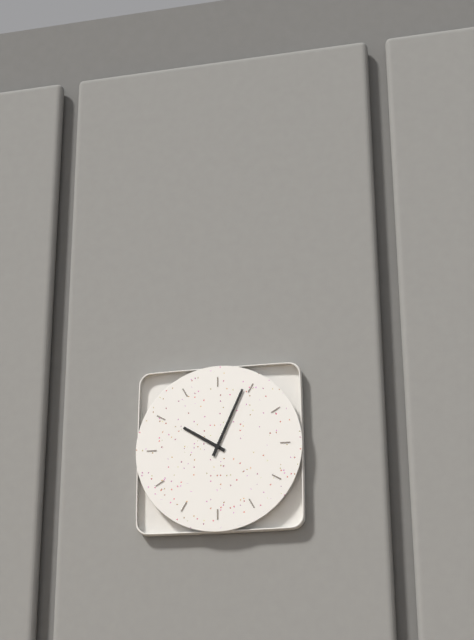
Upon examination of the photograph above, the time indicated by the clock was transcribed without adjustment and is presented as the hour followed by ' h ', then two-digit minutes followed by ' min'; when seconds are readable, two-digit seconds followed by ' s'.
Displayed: 10 h 04 min
